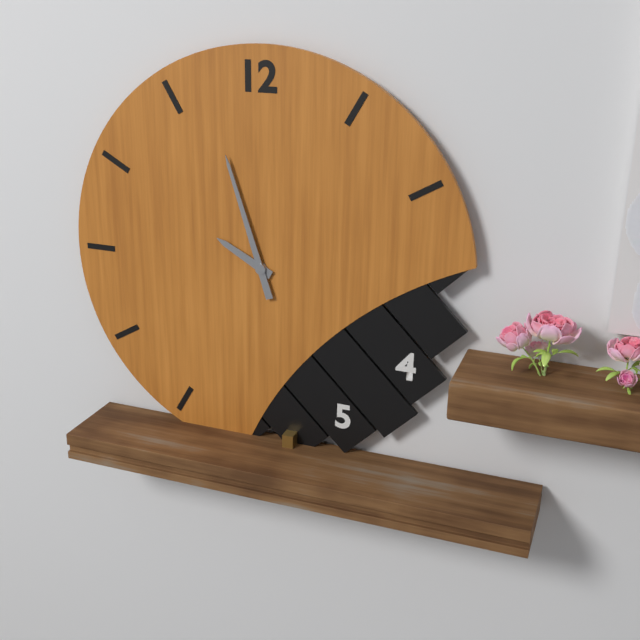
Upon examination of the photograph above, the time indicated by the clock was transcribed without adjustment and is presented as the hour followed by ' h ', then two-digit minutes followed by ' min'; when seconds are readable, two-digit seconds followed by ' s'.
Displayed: 9 h 57 min
